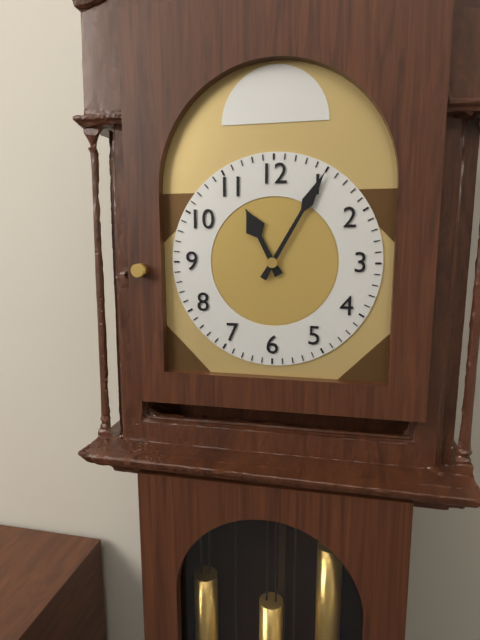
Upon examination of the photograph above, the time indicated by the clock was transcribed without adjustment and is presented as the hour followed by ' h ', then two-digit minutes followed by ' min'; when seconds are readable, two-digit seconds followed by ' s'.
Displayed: 11 h 05 min
